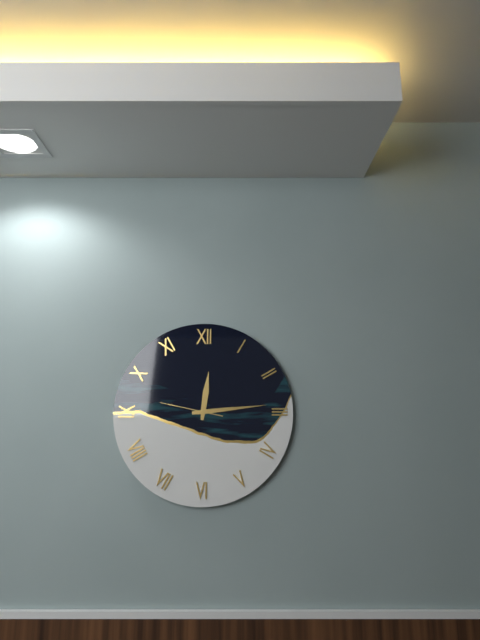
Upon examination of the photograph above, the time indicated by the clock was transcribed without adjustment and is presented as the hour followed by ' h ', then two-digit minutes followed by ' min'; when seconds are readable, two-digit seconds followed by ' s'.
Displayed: 12 h 14 min 47 s
